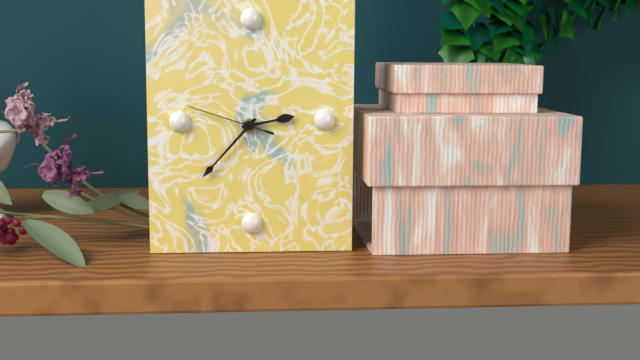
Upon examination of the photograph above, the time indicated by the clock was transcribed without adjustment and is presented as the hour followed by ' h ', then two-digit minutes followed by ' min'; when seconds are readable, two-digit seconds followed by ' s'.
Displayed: 2 h 37 min 48 s
